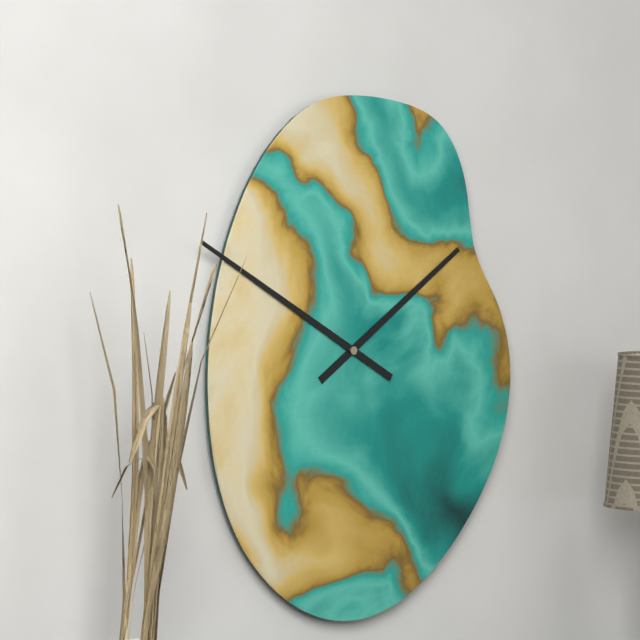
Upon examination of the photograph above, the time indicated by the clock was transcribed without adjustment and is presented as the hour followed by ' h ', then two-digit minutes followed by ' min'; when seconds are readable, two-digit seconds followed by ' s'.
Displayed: 1 h 50 min
